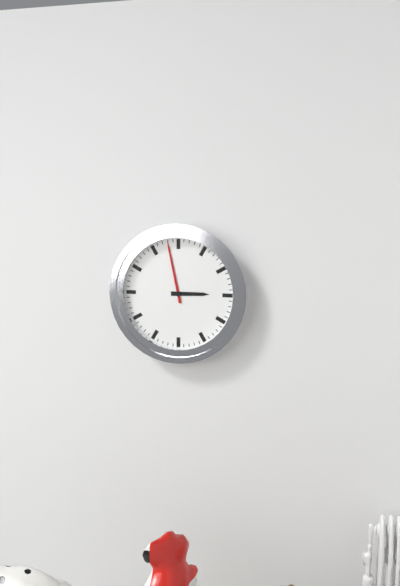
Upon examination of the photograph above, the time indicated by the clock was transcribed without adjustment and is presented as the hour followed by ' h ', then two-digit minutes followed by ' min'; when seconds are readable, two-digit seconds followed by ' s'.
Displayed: 2 h 58 min
